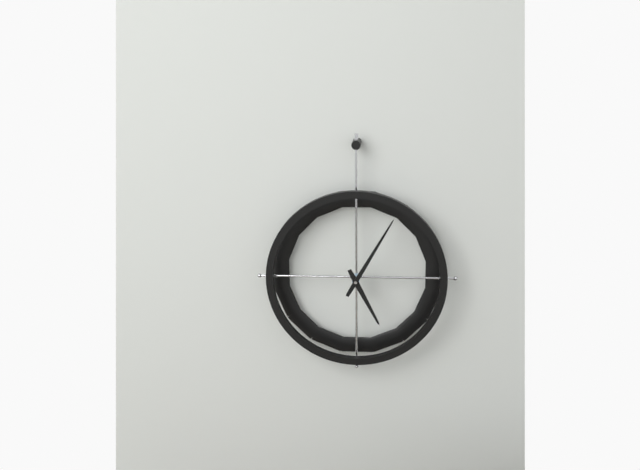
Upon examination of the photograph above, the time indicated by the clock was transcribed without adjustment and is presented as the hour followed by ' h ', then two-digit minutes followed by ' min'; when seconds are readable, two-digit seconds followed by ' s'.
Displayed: 5 h 05 min
